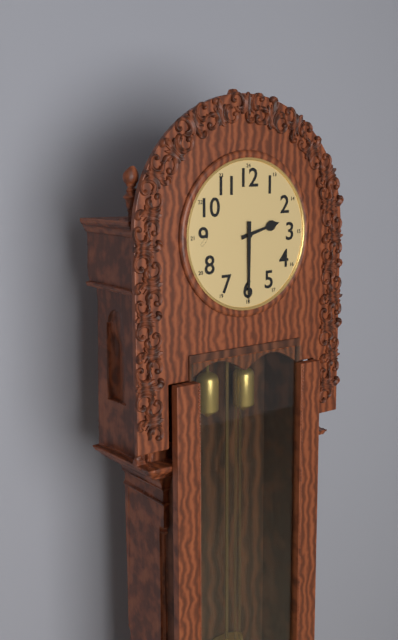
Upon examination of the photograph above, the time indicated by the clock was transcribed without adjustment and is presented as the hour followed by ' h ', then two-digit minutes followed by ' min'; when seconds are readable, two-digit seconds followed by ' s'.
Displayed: 2 h 30 min
